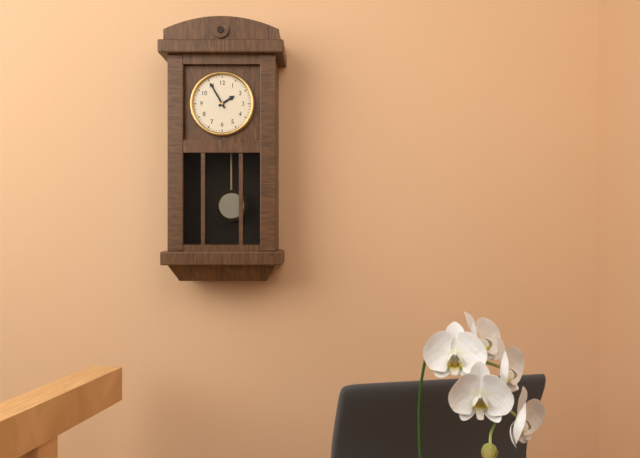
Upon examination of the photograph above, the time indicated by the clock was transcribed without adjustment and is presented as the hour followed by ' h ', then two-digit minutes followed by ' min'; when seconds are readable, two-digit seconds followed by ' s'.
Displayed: 1 h 55 min
